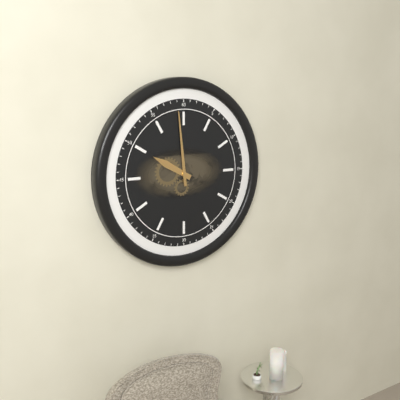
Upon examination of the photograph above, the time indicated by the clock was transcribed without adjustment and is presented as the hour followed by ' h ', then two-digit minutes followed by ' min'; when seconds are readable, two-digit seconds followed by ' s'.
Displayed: 9 h 59 min
